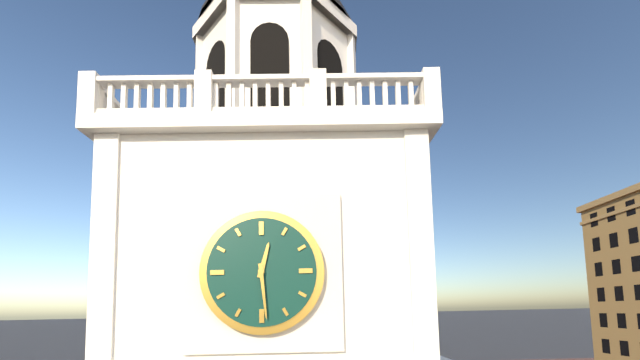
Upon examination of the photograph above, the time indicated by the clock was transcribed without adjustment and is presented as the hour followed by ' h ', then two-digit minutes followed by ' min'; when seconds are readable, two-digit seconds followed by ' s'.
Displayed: 12 h 29 min
